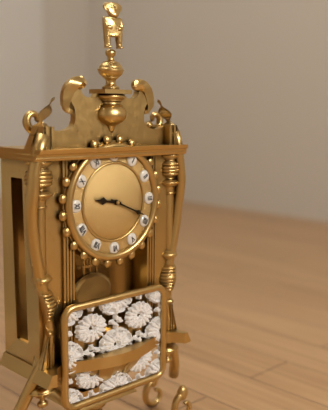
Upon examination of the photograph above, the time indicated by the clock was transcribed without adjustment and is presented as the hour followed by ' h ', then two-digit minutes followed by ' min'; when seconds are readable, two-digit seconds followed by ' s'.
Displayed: 9 h 19 min
